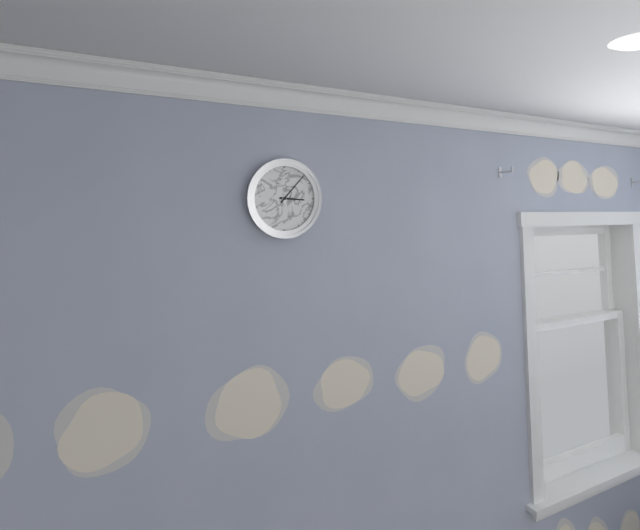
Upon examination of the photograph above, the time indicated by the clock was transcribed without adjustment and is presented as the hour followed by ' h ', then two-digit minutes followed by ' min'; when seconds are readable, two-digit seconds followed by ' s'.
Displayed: 3 h 07 min
